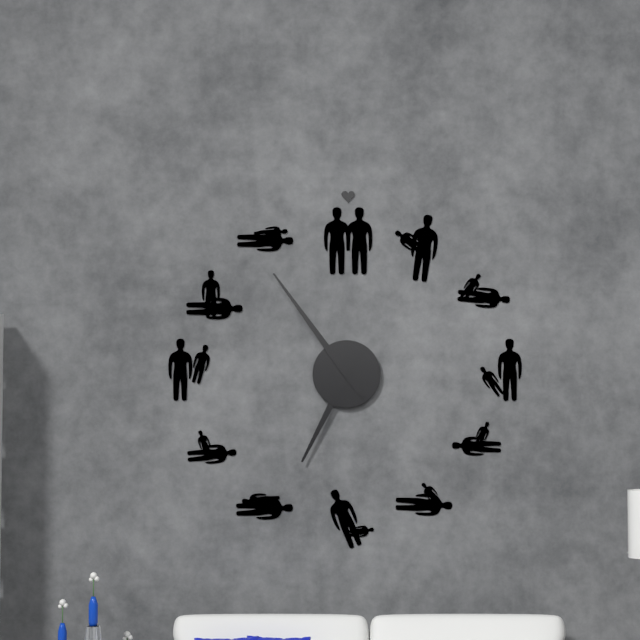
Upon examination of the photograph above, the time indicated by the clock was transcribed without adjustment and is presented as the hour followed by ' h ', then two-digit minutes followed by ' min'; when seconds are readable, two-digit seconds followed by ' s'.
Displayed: 6 h 54 min
